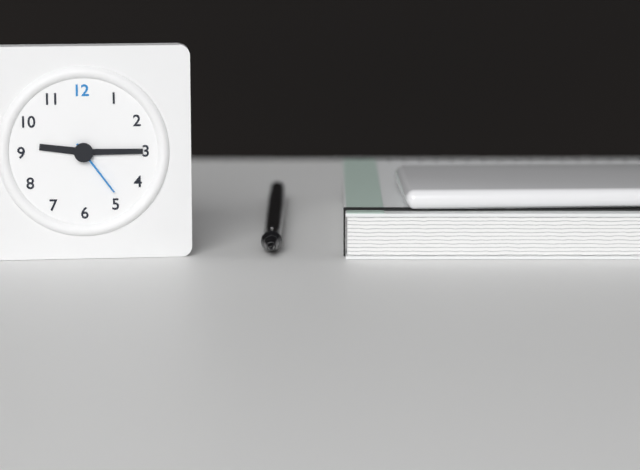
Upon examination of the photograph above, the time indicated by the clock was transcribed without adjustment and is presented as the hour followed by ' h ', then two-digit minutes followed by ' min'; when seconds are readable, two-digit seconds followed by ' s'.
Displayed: 9 h 15 min 24 s
